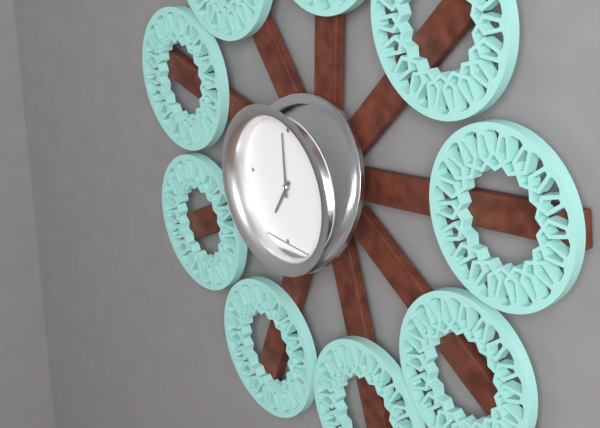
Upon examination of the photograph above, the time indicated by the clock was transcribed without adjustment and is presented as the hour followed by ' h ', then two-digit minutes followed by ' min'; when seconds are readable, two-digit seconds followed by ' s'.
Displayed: 6 h 59 min
